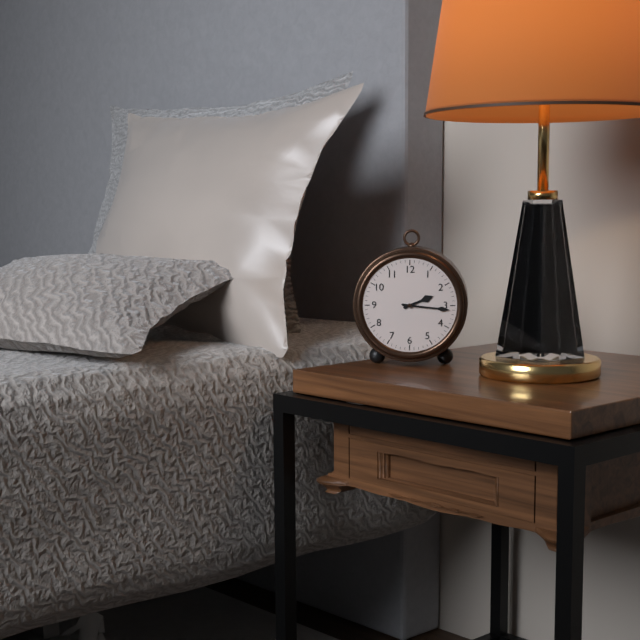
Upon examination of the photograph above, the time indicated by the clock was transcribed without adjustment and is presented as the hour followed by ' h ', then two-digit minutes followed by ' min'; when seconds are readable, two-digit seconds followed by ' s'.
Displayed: 2 h 16 min
